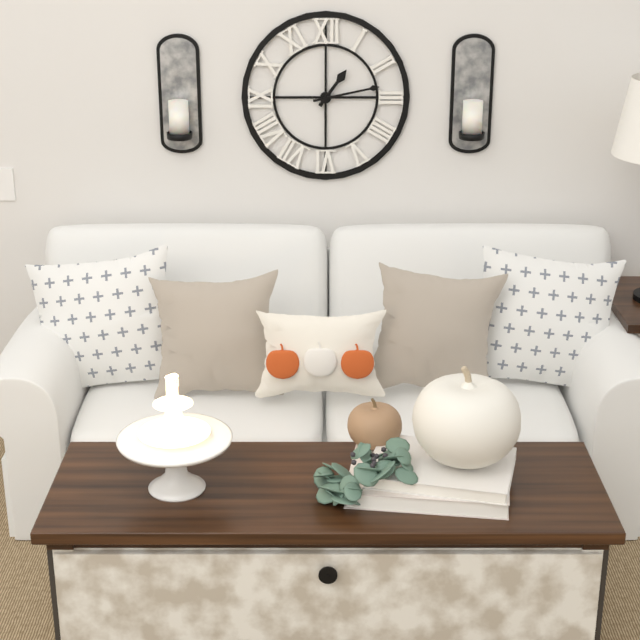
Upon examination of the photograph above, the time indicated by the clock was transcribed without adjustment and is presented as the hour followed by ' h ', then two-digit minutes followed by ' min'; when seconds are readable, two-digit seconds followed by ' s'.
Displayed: 1 h 13 min
